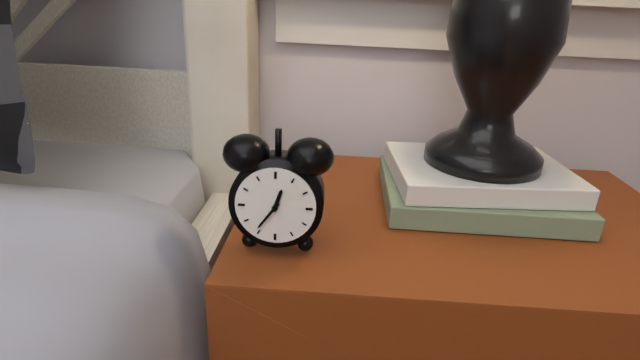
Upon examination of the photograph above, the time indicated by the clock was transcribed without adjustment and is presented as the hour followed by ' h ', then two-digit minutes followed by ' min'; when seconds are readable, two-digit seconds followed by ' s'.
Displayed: 12 h 36 min
